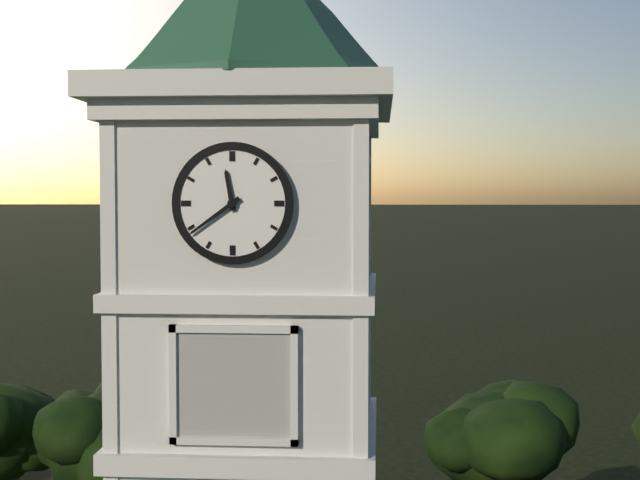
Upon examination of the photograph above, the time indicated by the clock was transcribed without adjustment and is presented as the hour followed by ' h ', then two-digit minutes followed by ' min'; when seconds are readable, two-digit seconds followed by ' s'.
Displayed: 11 h 39 min
